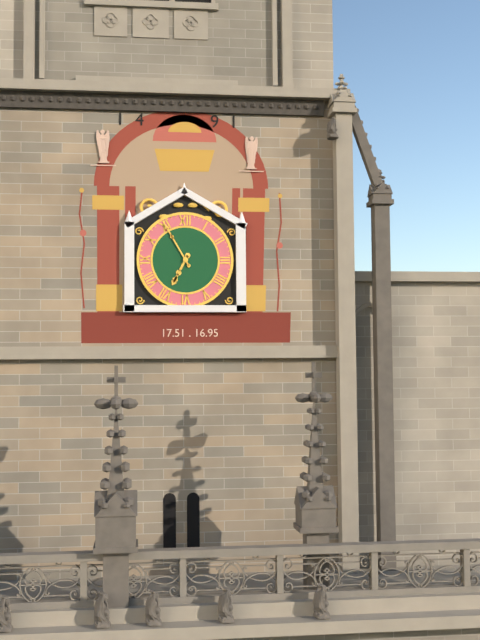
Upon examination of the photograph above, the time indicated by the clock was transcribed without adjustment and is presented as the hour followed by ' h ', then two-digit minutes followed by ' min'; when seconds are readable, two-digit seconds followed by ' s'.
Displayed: 6 h 55 min
